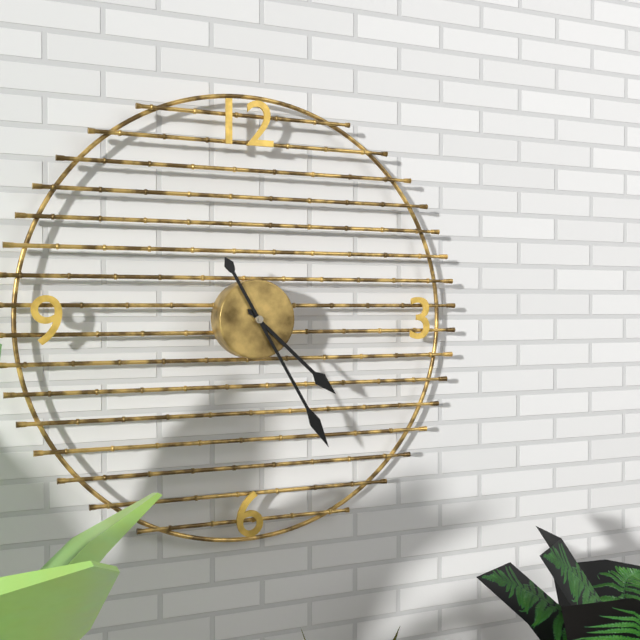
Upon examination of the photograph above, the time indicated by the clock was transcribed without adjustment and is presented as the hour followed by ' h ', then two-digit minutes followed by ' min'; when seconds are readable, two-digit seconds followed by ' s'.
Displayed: 4 h 25 min
